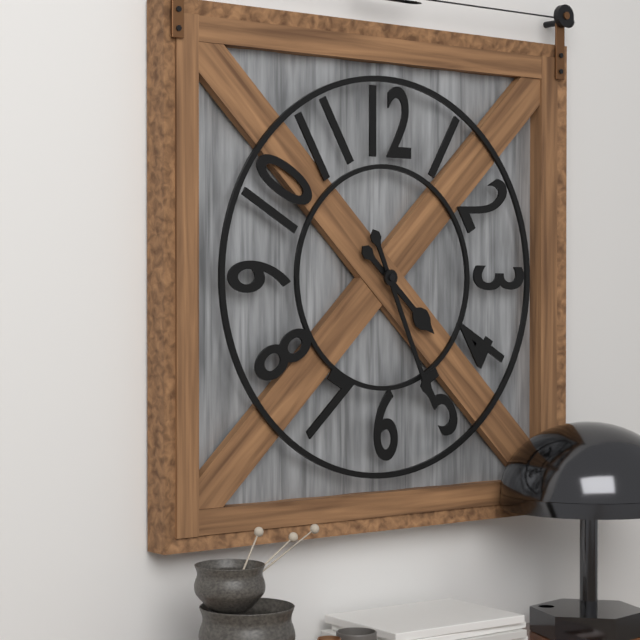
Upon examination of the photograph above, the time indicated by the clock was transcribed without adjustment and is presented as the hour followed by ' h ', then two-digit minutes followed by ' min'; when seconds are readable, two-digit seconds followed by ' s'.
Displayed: 4 h 26 min
